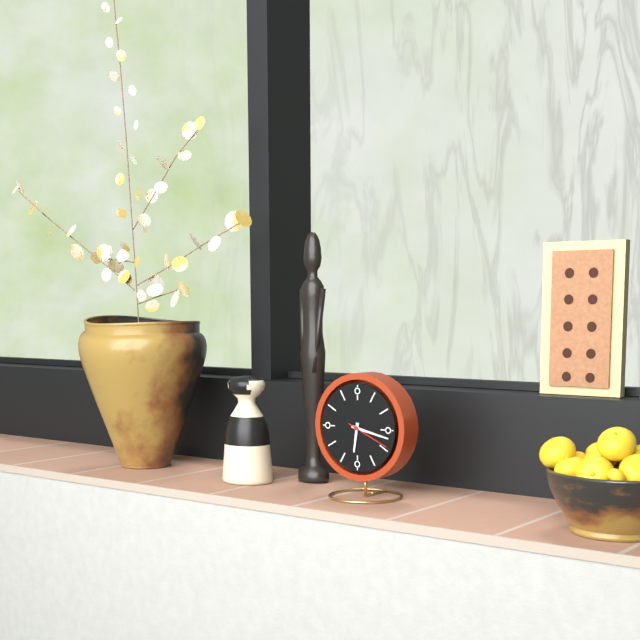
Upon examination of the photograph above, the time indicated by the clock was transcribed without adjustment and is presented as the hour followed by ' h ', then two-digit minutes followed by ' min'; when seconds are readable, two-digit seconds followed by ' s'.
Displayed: 6 h 17 min
